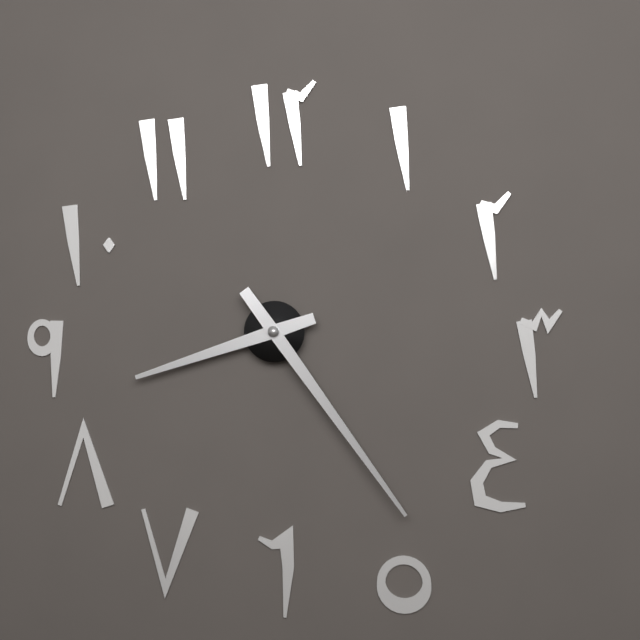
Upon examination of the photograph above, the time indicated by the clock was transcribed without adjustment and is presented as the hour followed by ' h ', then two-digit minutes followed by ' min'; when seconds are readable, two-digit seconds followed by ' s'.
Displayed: 8 h 24 min
